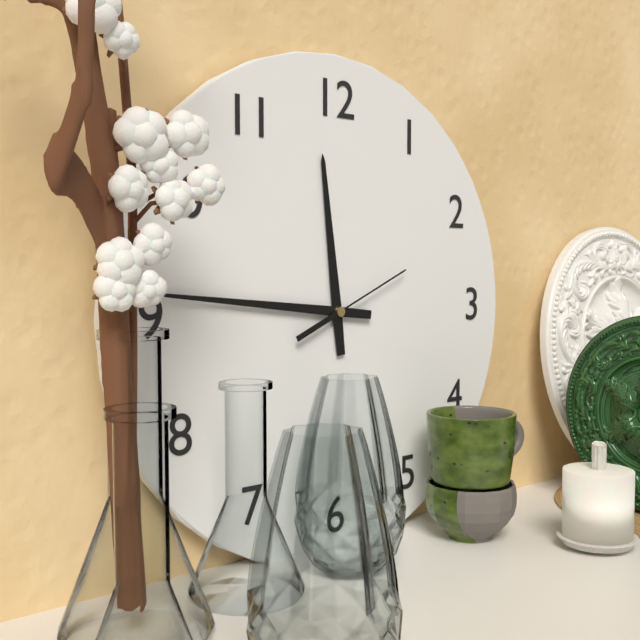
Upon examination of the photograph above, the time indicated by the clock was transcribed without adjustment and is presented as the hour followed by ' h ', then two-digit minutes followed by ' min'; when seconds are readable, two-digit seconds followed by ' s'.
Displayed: 11 h 46 min 11 s
